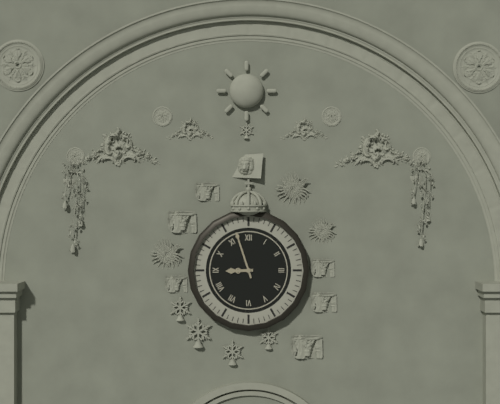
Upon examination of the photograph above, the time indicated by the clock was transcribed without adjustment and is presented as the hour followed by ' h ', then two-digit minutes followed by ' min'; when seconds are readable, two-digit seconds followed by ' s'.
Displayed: 8 h 57 min
